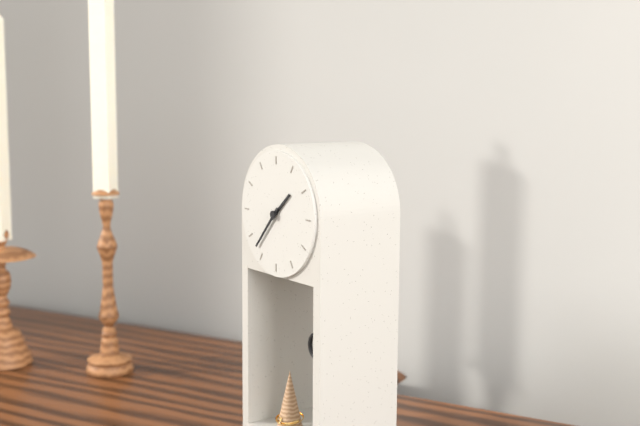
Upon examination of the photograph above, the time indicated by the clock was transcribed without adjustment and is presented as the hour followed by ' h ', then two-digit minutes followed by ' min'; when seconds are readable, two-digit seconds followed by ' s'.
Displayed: 1 h 37 min
